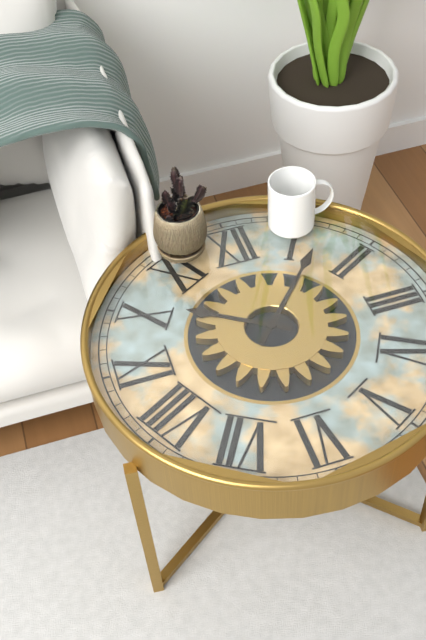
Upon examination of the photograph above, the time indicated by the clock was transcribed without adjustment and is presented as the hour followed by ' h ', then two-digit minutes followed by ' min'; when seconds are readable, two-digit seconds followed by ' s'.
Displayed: 10 h 07 min
